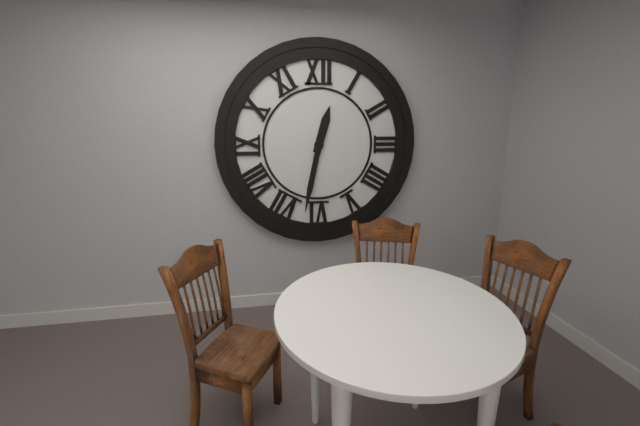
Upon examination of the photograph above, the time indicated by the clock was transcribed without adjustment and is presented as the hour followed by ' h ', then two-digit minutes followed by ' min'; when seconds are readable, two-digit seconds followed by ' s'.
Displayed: 12 h 32 min
